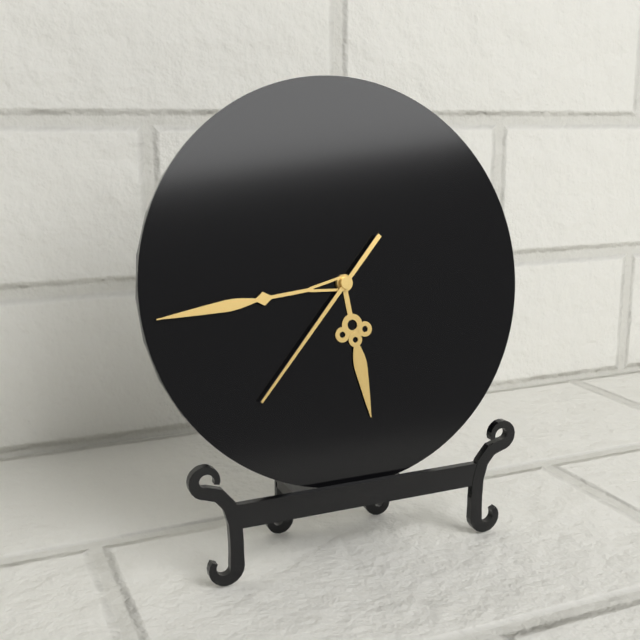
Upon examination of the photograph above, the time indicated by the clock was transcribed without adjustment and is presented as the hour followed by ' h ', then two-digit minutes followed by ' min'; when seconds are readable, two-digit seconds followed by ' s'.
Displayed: 5 h 44 min 37 s
